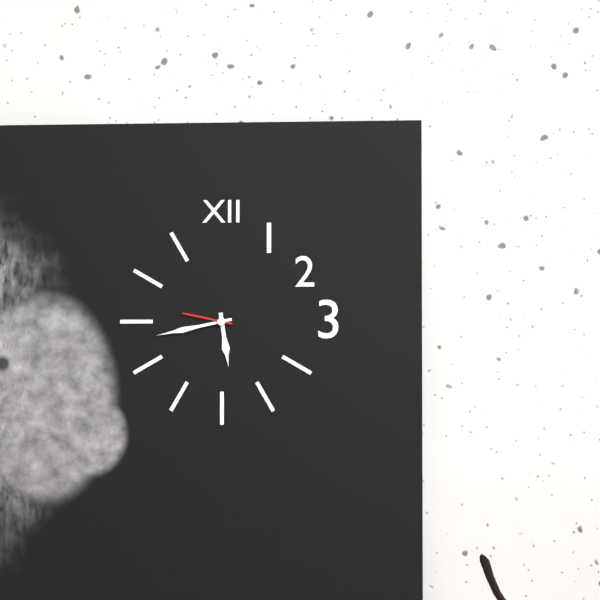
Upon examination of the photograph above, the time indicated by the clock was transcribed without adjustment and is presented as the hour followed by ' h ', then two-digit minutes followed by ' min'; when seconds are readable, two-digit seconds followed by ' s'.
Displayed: 5 h 43 min 47 s
